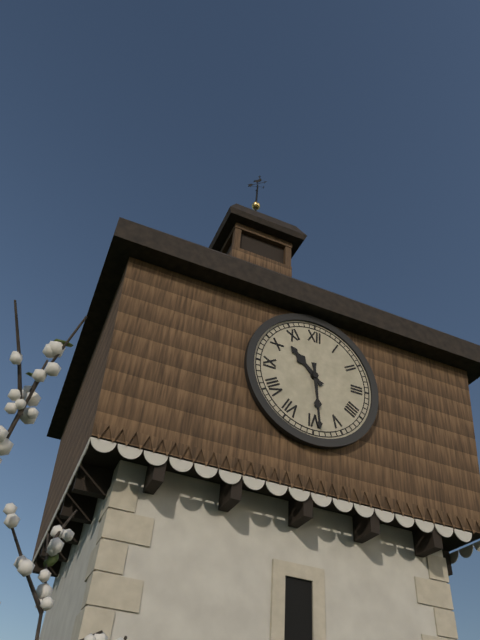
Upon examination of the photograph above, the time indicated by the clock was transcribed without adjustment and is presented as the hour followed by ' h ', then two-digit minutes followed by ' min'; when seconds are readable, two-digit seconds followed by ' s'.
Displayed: 10 h 29 min
